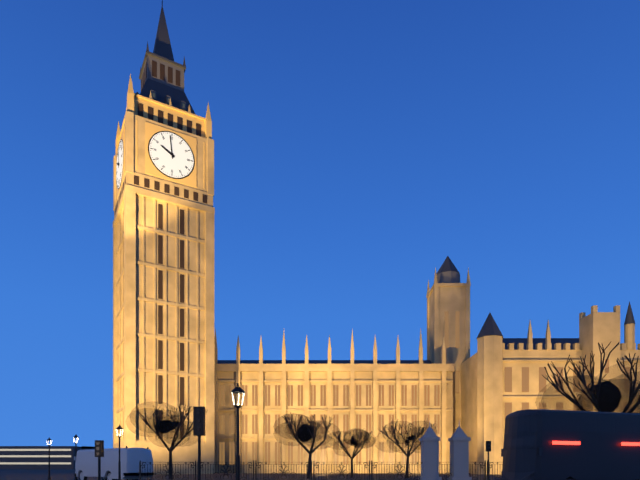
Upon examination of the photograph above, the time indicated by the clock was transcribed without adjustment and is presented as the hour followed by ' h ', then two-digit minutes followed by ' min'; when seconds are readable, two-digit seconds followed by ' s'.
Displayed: 9 h 59 min
